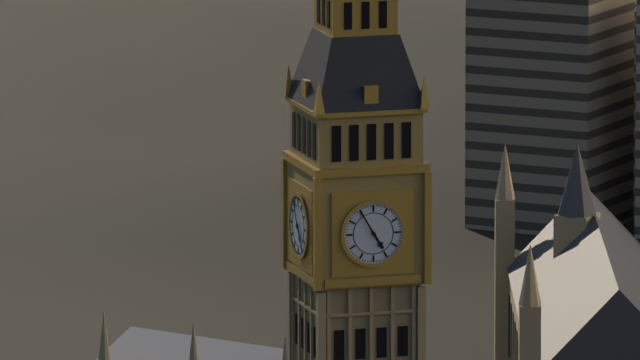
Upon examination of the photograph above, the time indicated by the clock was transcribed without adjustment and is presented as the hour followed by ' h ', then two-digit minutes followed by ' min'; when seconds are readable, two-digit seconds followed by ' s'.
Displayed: 4 h 55 min
